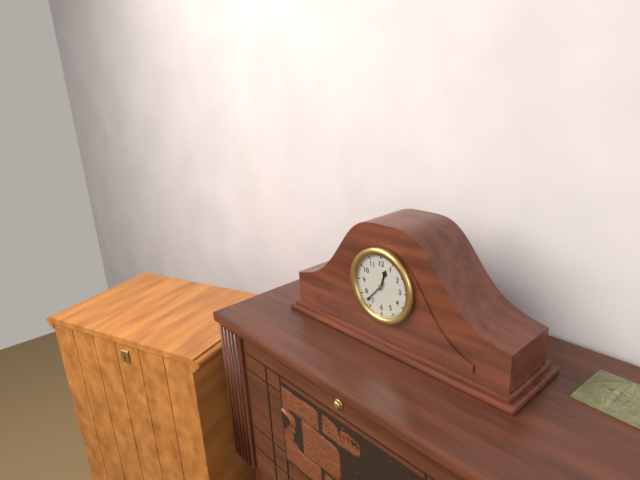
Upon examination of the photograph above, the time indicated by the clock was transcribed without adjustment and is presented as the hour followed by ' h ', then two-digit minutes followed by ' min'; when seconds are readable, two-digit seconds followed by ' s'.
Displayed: 12 h 37 min
